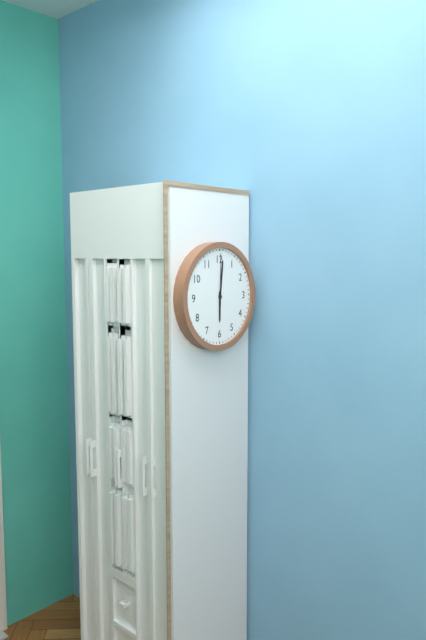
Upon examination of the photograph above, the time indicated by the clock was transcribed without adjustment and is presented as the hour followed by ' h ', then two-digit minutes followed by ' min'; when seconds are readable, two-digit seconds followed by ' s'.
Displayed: 6 h 01 min 00 s
